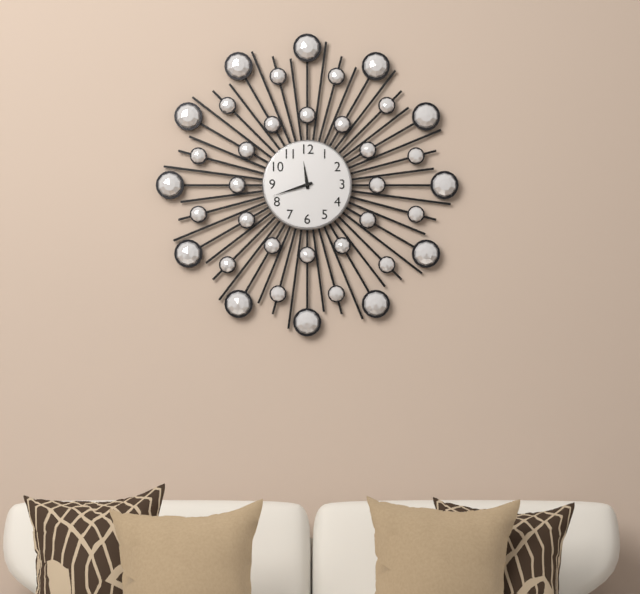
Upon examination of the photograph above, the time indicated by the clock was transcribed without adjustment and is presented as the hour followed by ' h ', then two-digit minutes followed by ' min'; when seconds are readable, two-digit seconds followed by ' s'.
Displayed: 11 h 42 min
